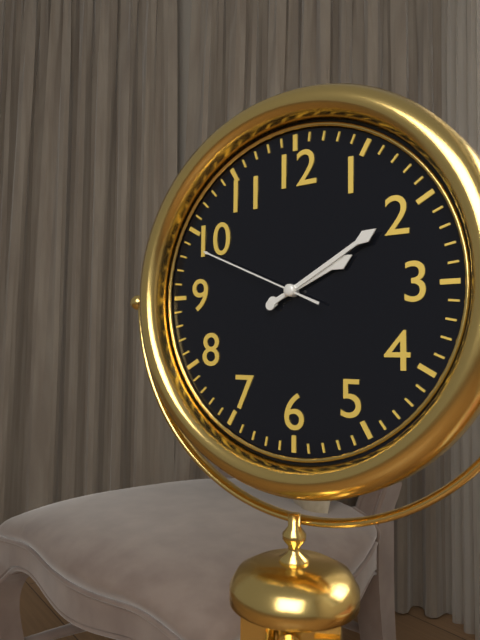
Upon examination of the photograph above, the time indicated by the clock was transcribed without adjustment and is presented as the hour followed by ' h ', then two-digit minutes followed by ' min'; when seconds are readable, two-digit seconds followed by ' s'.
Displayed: 2 h 10 min 49 s
